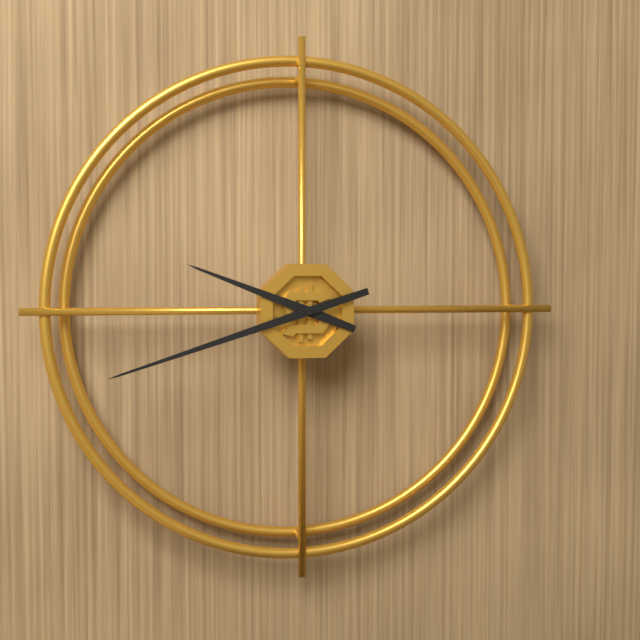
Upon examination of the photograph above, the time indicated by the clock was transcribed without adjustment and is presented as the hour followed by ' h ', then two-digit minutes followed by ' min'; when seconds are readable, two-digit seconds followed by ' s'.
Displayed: 9 h 42 min
